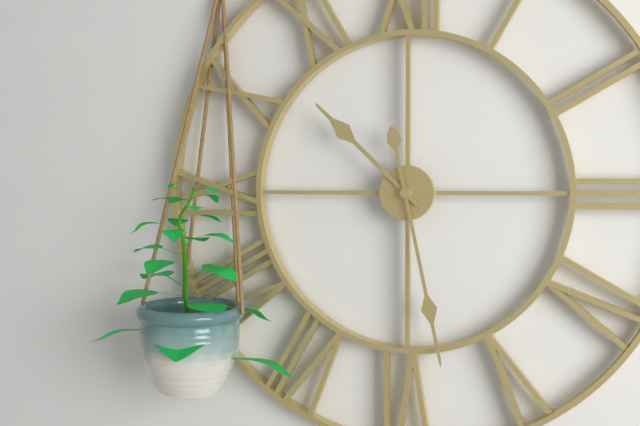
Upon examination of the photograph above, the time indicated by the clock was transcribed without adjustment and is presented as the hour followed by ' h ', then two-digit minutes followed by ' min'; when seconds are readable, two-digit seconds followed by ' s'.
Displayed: 10 h 28 min
